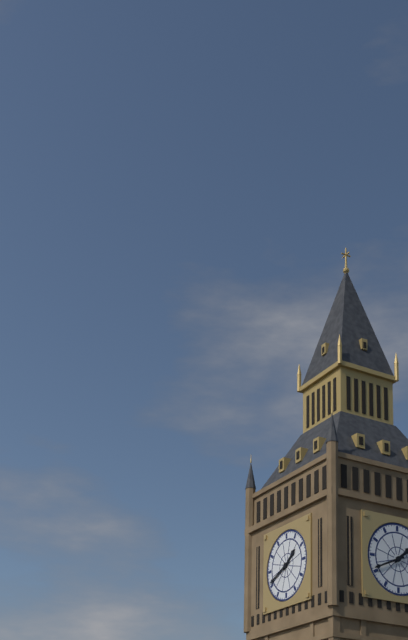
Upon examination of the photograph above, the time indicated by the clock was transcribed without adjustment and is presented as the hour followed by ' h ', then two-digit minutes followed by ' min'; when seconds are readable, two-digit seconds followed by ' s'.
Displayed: 1 h 41 min
